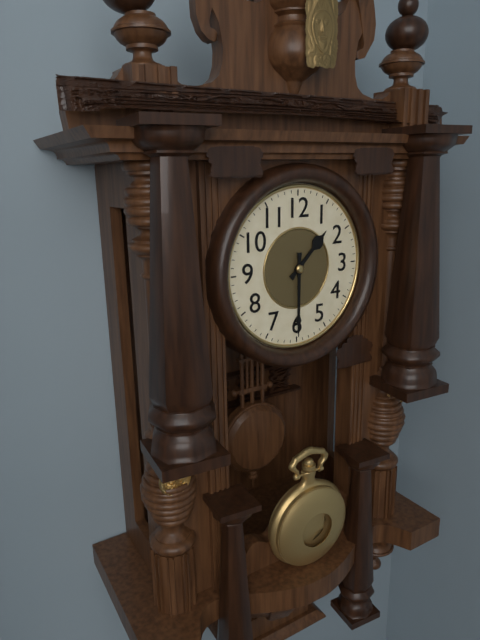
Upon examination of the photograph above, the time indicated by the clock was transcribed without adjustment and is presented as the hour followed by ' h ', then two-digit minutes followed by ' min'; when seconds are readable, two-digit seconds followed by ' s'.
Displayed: 1 h 30 min
